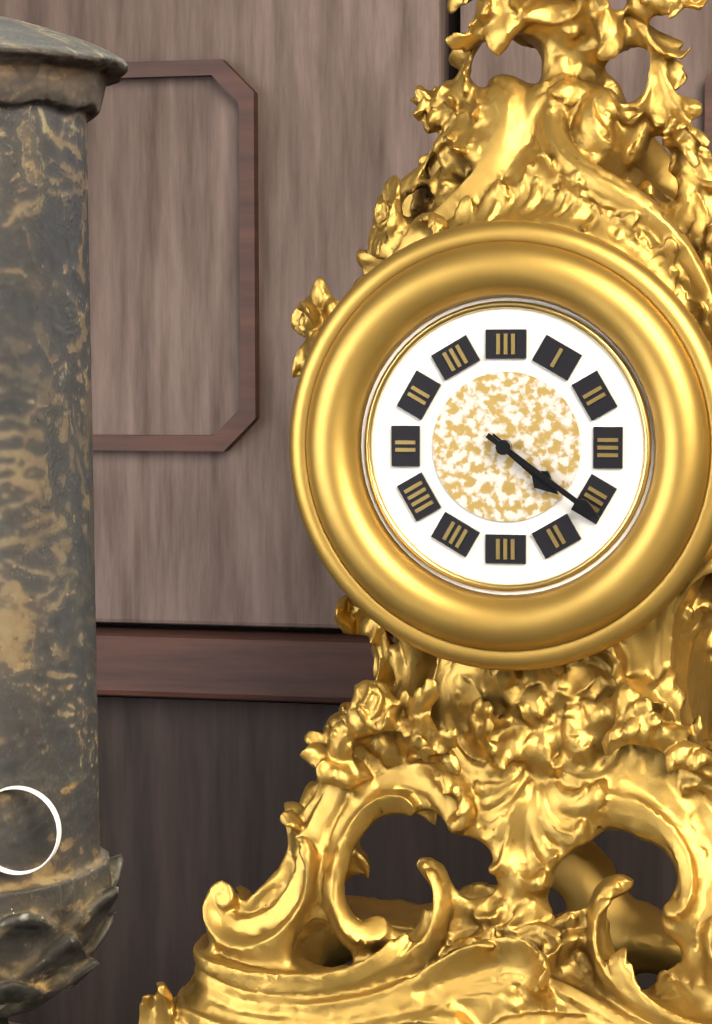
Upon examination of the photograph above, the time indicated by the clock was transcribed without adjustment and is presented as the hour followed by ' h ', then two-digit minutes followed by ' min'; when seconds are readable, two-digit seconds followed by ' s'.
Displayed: 4 h 21 min
